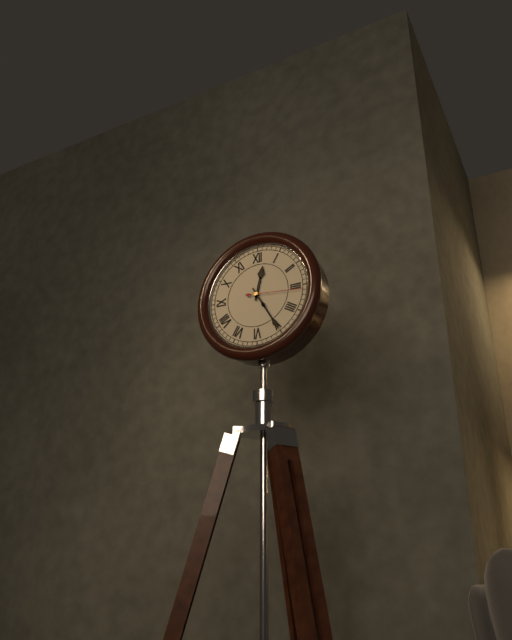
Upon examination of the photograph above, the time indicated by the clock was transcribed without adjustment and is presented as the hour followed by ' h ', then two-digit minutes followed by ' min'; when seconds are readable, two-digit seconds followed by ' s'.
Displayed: 12 h 25 min 16 s
